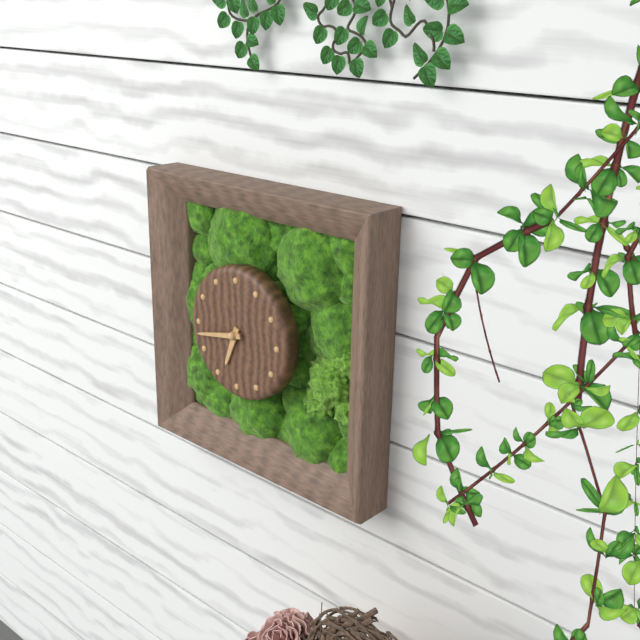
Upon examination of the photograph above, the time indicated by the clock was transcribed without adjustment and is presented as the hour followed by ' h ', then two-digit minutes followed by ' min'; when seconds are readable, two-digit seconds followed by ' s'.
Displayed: 6 h 43 min
